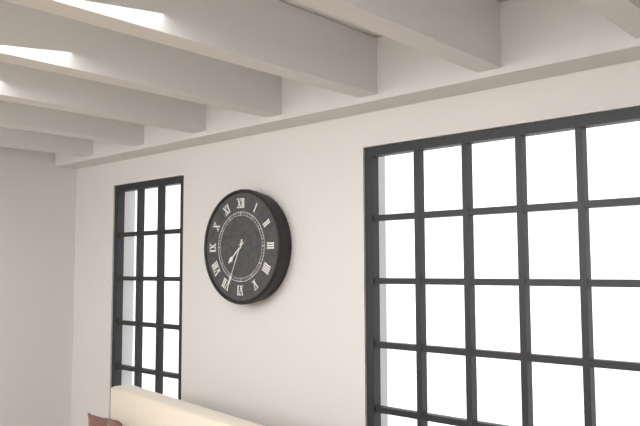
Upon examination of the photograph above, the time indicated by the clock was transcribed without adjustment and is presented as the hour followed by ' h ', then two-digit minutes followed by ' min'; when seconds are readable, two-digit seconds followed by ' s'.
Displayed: 7 h 34 min
